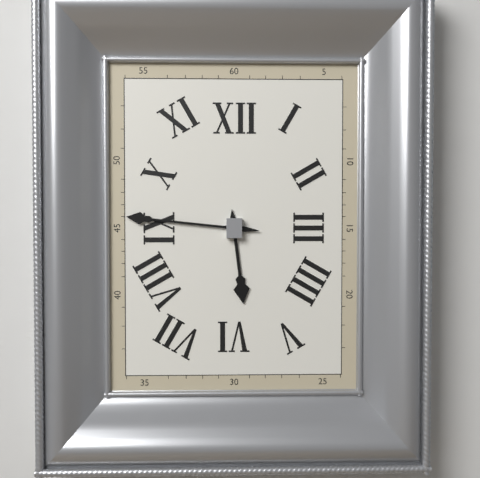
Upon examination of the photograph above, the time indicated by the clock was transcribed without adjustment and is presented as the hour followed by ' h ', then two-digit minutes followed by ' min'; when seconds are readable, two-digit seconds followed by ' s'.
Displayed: 5 h 46 min
